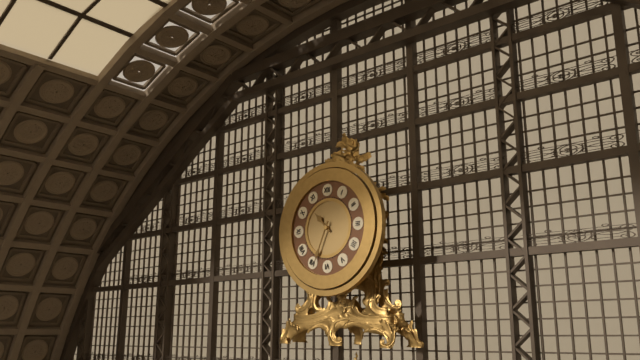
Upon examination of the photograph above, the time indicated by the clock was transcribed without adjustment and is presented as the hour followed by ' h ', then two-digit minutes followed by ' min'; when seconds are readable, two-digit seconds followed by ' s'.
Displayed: 10 h 34 min
